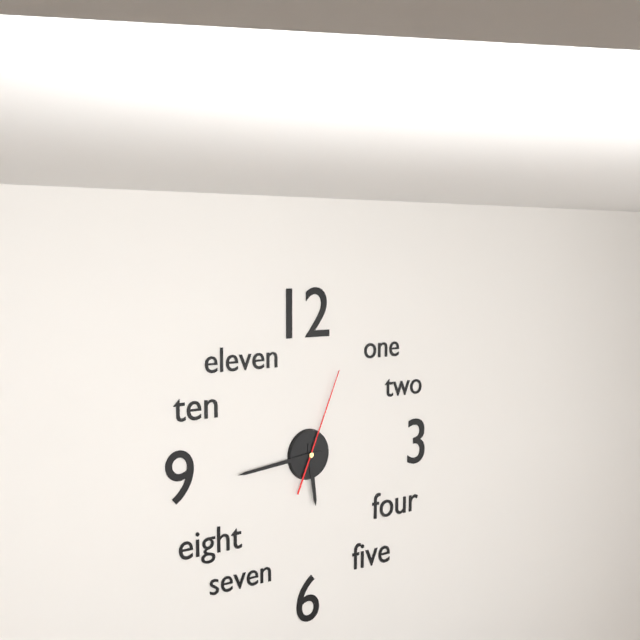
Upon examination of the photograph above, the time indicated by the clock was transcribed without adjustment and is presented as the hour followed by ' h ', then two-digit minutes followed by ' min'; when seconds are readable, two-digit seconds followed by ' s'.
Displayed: 5 h 44 min 04 s
